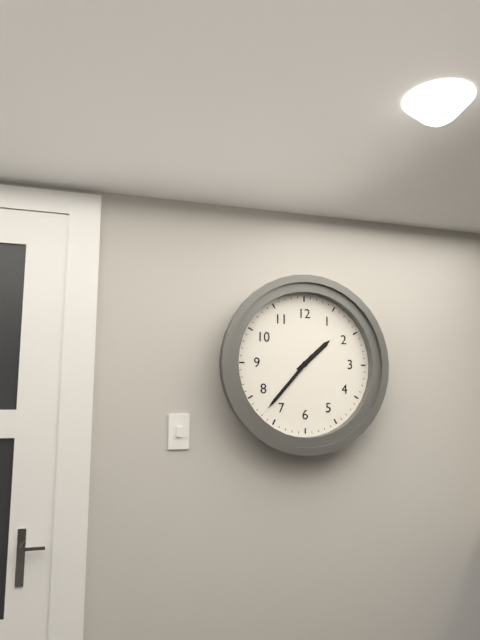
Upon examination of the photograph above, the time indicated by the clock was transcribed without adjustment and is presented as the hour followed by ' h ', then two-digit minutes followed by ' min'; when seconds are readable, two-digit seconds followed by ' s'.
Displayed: 1 h 37 min
